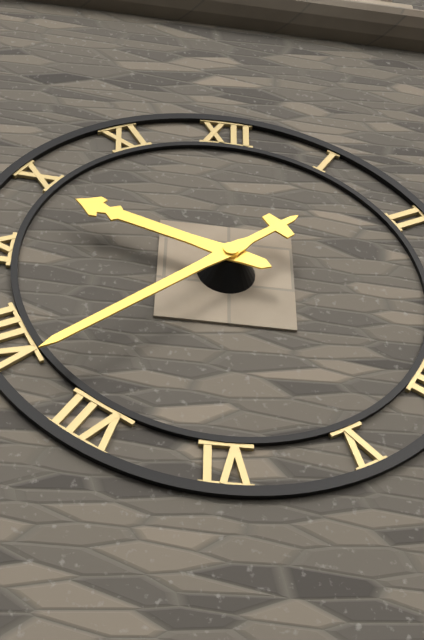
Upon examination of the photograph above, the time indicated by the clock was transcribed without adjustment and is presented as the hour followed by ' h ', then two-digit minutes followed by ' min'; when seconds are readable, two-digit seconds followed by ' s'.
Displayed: 9 h 38 min
